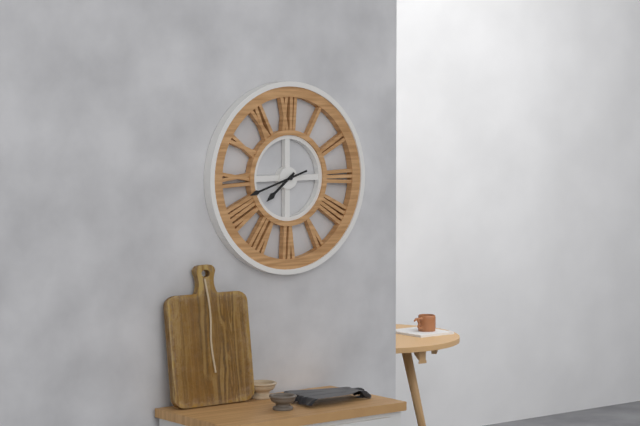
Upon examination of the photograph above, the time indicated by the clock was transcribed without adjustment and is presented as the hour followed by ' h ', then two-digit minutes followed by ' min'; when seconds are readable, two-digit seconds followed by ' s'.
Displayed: 7 h 42 min
